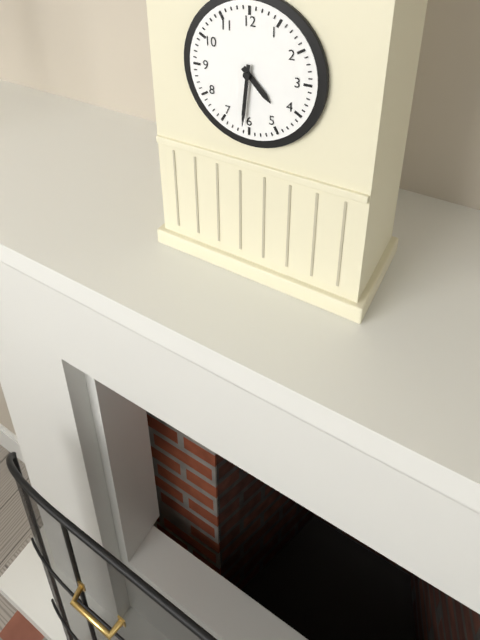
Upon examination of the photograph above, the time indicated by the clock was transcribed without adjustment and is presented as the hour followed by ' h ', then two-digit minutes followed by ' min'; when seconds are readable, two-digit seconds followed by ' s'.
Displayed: 4 h 31 min
